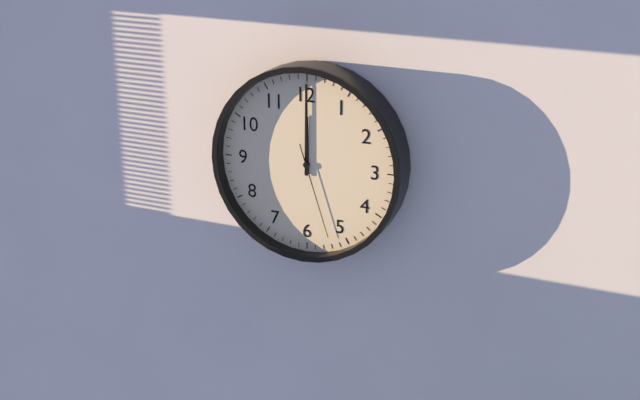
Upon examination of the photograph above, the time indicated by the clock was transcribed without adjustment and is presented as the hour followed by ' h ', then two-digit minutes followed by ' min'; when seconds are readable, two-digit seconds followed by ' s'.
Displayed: 12 h 00 min 27 s
